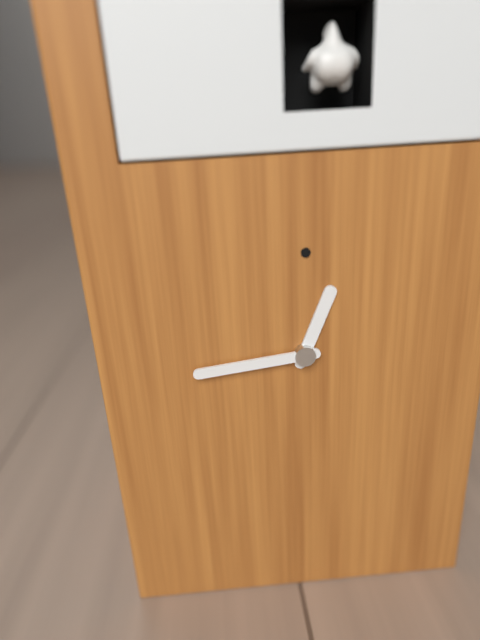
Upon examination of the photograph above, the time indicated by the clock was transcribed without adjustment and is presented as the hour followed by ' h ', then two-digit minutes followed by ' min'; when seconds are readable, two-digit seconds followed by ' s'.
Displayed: 12 h 44 min
